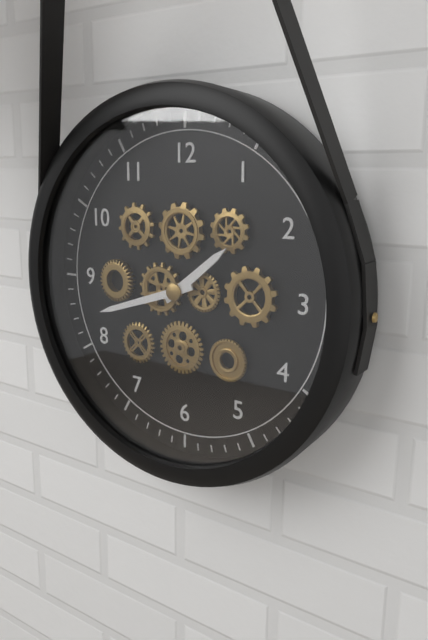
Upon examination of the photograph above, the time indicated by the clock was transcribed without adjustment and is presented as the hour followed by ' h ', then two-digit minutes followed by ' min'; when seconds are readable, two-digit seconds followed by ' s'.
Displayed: 1 h 42 min
